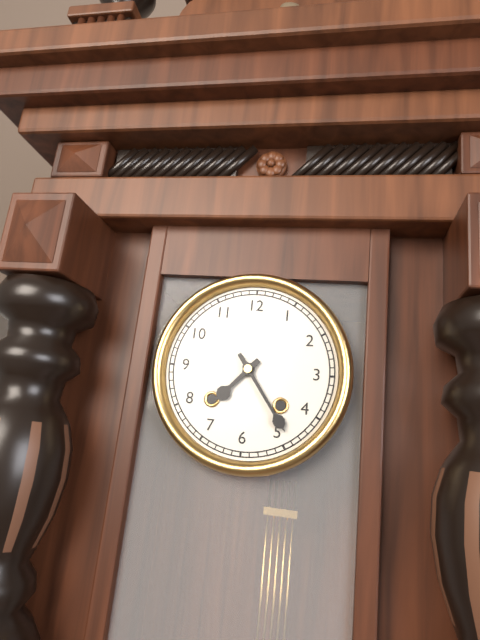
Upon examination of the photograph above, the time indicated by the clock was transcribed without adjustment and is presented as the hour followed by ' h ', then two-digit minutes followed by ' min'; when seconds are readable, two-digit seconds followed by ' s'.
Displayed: 7 h 24 min
